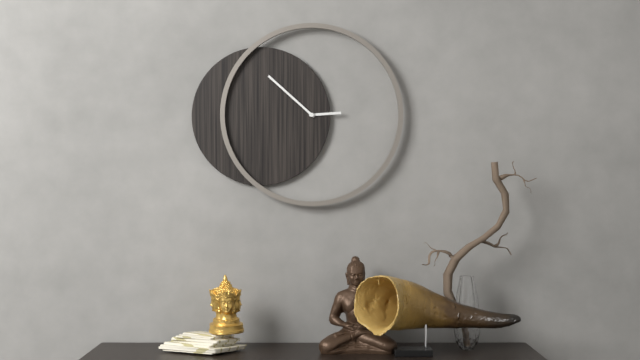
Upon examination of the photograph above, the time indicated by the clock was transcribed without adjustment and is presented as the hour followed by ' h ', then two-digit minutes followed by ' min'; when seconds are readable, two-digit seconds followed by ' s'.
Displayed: 2 h 52 min
